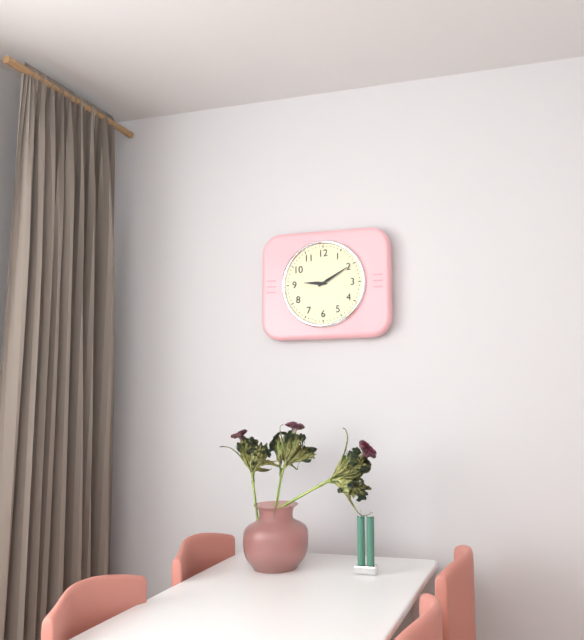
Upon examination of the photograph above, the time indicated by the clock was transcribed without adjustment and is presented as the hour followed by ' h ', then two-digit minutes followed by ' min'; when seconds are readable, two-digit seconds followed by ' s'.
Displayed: 9 h 10 min
